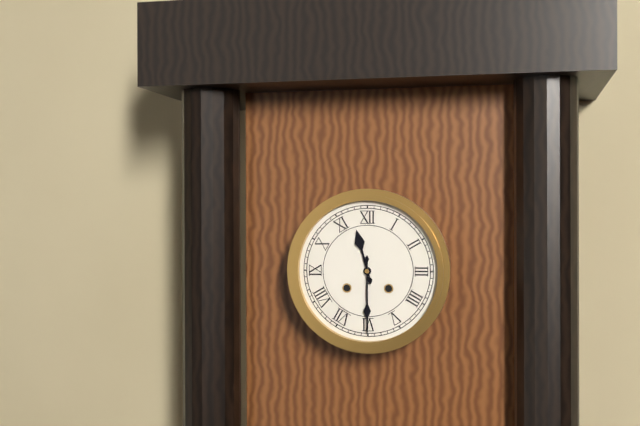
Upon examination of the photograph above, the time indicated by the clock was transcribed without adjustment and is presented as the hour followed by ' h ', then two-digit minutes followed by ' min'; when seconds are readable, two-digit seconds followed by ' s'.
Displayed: 11 h 30 min
